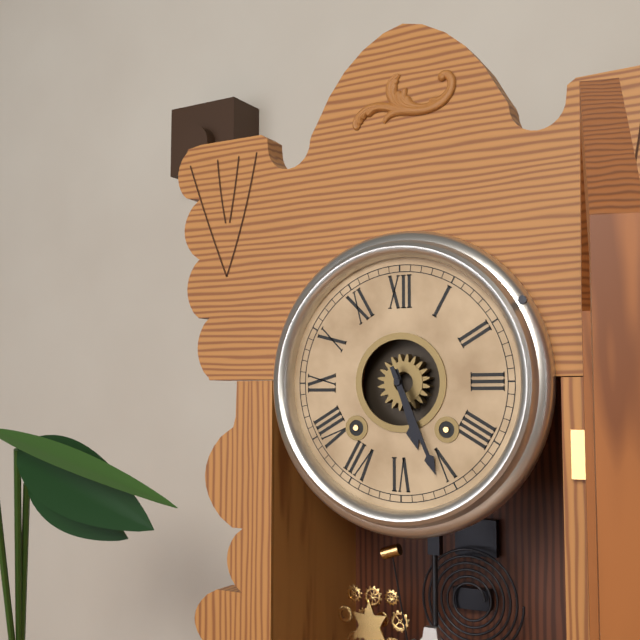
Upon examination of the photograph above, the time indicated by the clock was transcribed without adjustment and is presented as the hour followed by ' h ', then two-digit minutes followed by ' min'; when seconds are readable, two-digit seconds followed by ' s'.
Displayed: 5 h 26 min
